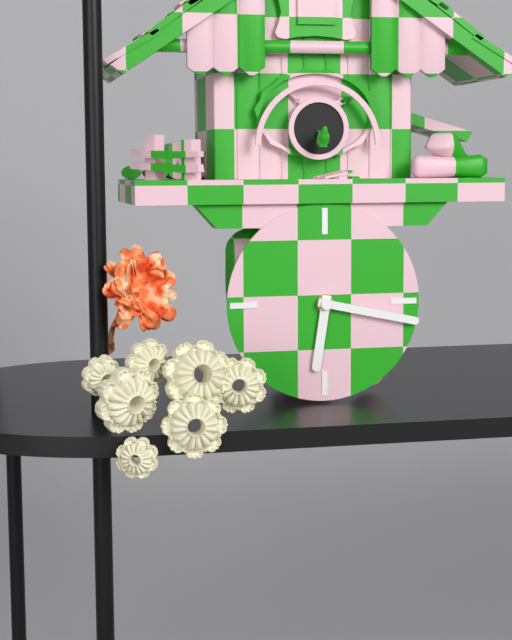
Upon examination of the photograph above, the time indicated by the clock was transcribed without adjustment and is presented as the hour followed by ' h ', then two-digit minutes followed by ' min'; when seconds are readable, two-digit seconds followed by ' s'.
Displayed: 6 h 17 min
